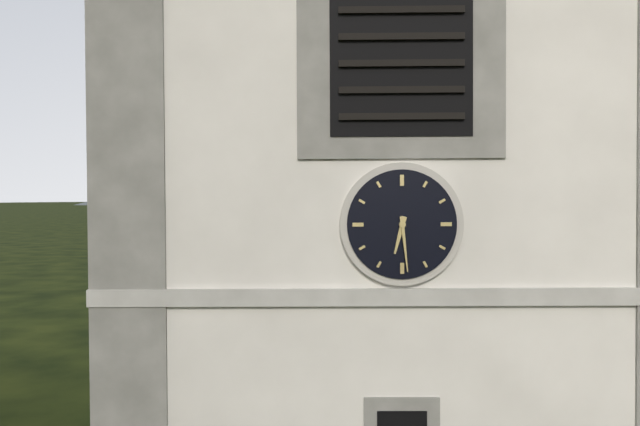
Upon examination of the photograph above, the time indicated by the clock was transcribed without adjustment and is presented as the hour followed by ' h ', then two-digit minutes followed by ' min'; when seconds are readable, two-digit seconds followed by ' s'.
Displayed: 6 h 29 min
